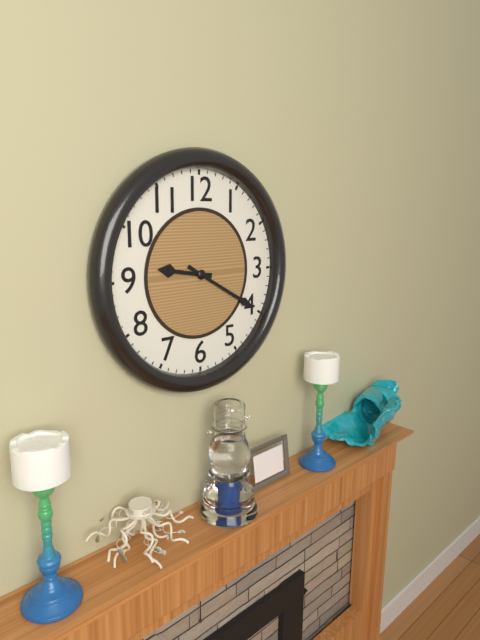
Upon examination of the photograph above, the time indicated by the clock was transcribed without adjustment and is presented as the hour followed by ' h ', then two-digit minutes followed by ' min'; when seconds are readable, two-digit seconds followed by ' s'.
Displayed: 9 h 20 min
